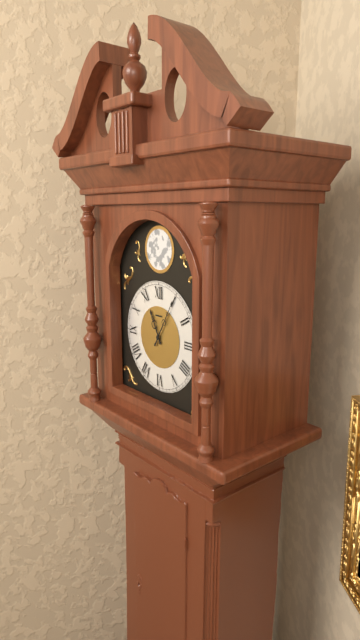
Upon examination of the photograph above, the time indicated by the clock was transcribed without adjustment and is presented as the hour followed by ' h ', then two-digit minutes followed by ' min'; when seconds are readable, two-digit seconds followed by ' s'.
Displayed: 11 h 05 min
